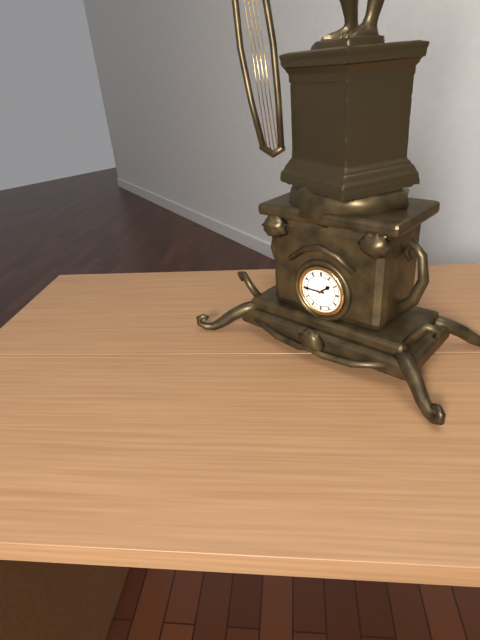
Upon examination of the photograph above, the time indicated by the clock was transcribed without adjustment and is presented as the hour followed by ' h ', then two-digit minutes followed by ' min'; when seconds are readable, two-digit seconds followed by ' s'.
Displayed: 1 h 45 min
